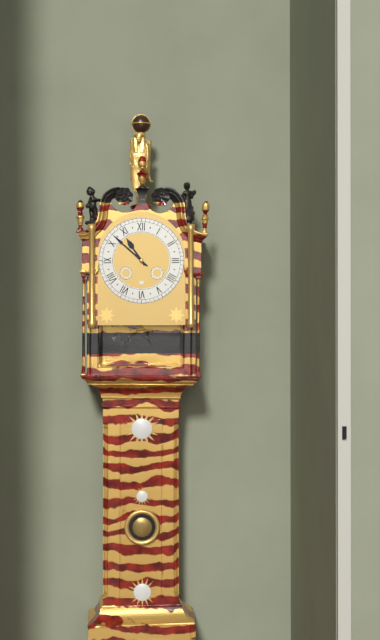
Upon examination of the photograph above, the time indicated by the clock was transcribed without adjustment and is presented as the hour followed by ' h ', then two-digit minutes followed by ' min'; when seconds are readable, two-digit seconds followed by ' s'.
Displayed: 10 h 52 min
